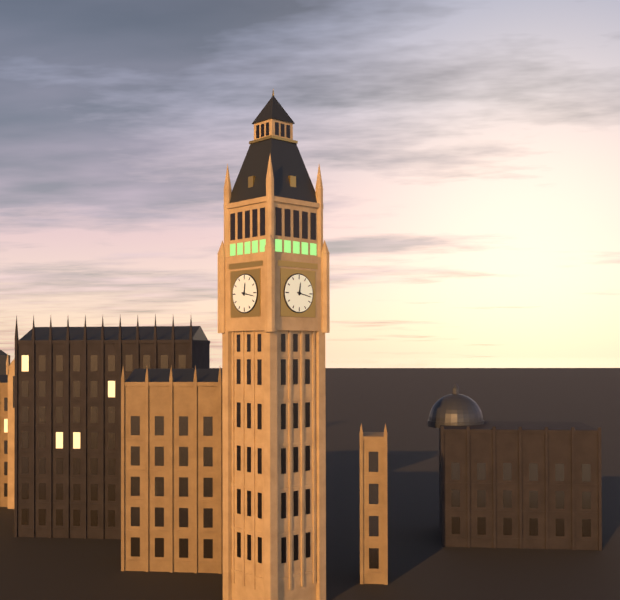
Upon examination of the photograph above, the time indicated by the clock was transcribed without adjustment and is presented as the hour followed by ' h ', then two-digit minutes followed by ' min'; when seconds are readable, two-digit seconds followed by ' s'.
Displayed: 12 h 17 min
